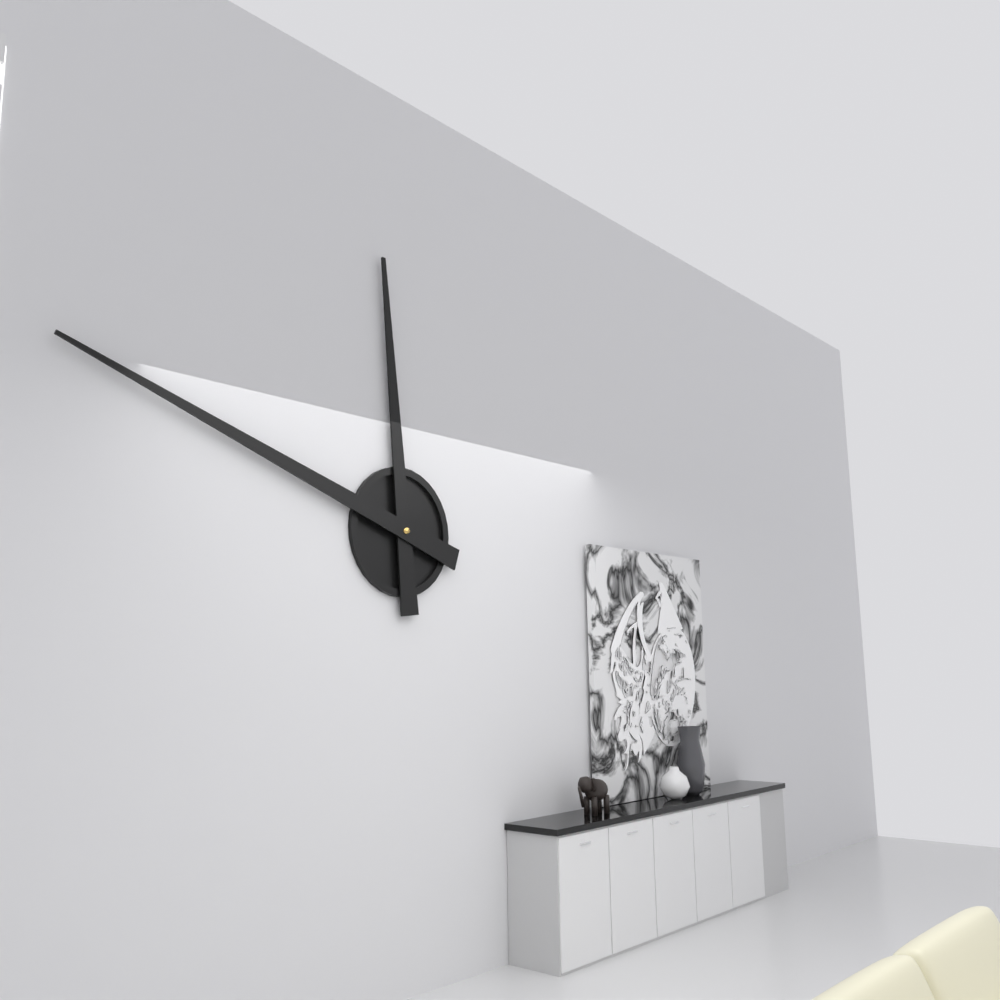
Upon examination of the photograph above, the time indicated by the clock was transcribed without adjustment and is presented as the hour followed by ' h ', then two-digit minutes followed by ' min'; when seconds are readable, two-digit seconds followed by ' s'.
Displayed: 11 h 48 min
